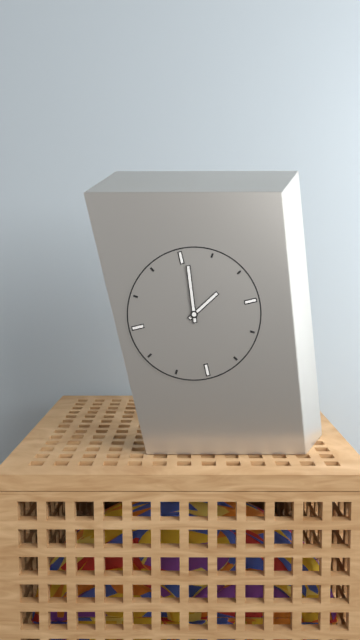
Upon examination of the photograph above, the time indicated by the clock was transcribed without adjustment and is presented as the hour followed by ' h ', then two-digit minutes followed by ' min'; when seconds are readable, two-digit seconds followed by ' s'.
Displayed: 2 h 01 min
